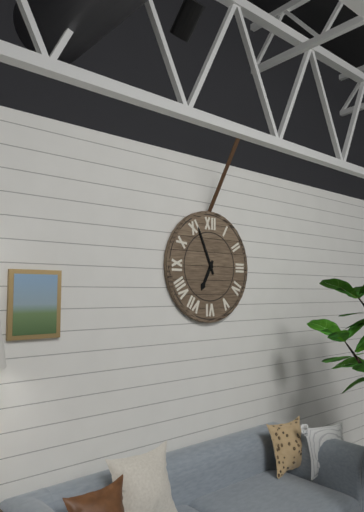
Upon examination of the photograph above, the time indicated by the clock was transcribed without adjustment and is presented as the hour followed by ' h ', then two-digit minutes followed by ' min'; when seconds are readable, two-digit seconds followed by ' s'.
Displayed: 6 h 56 min
